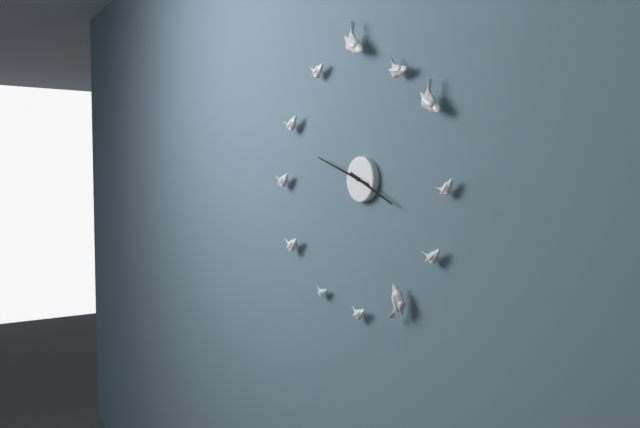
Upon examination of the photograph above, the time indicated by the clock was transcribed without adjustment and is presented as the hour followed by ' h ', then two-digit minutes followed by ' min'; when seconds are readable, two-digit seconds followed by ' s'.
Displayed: 3 h 48 min
